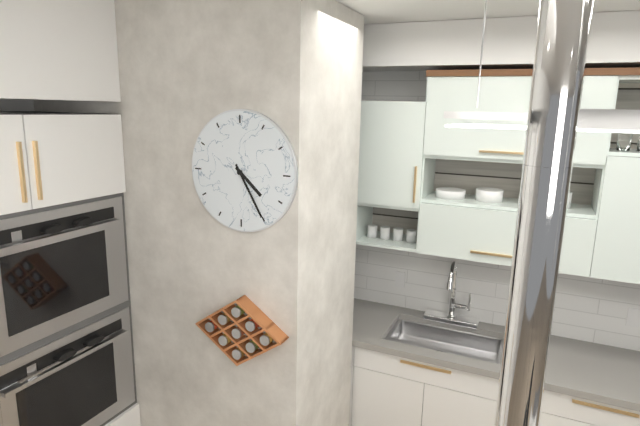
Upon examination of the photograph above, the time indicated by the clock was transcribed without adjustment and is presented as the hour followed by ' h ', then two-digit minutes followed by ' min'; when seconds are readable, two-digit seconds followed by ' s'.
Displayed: 4 h 25 min
